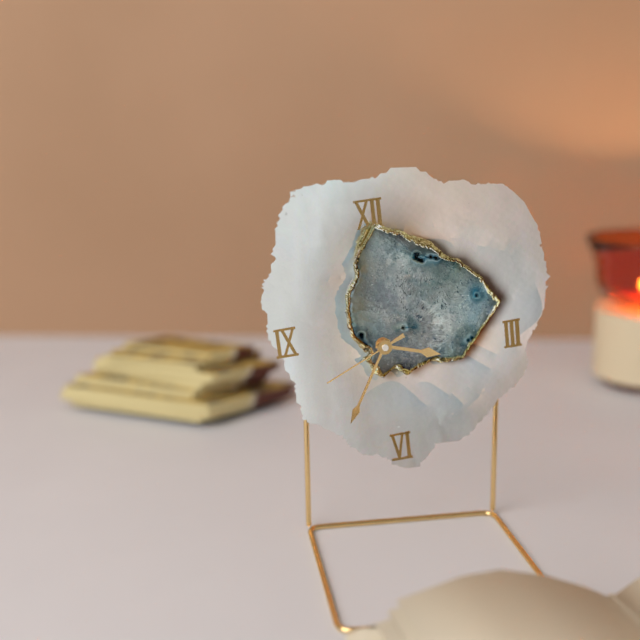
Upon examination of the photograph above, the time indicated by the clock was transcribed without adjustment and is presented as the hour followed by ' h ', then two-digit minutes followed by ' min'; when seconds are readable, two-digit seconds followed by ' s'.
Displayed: 3 h 35 min 41 s
